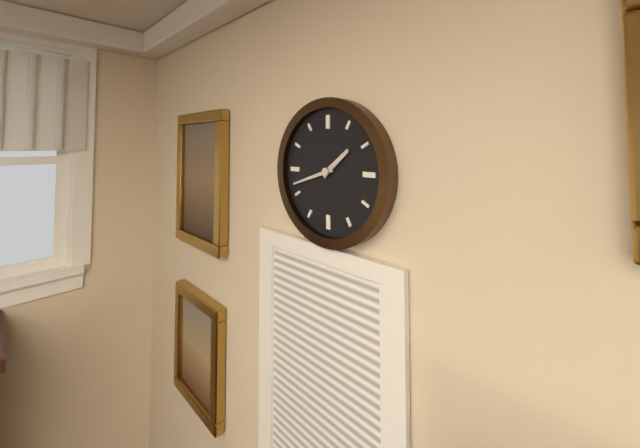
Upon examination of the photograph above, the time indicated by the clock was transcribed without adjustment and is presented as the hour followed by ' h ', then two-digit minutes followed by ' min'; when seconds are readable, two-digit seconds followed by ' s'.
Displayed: 1 h 42 min
